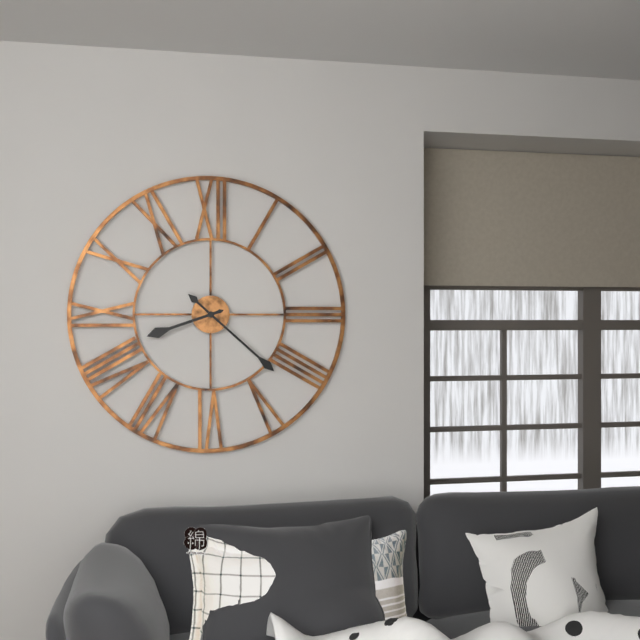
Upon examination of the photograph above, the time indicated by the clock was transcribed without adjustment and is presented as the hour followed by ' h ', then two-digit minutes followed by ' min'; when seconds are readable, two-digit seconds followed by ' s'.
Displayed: 8 h 22 min
